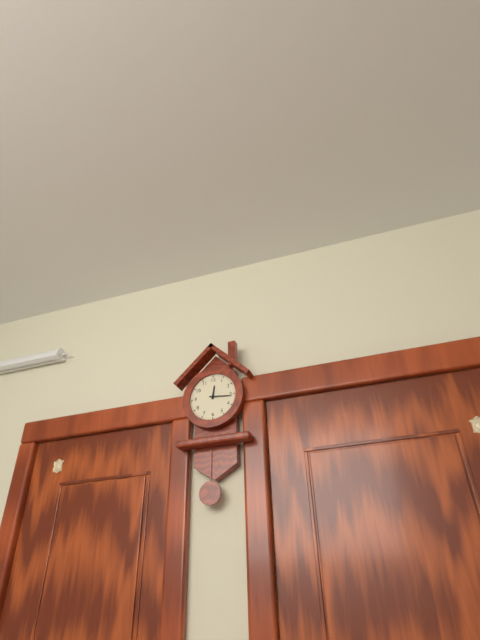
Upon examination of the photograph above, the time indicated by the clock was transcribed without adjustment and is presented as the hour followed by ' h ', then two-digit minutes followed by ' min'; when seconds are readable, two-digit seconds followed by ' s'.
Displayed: 12 h 16 min
